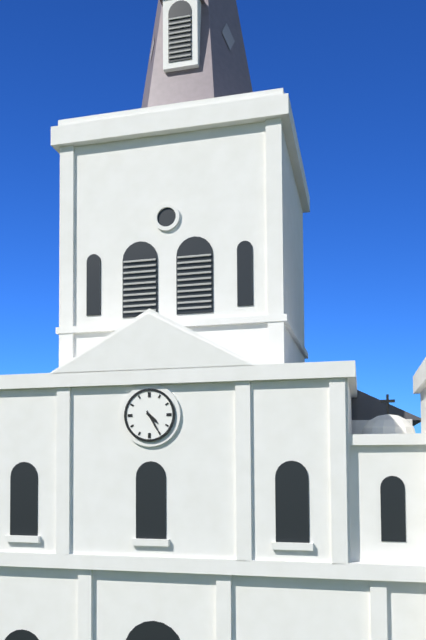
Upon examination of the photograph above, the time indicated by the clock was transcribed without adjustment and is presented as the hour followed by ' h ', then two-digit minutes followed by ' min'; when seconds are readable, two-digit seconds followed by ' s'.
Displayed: 4 h 25 min
